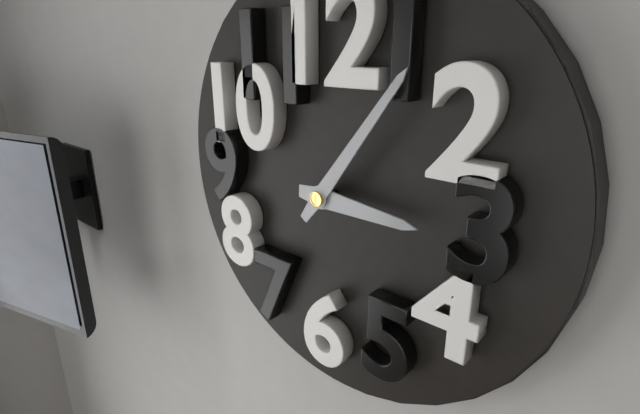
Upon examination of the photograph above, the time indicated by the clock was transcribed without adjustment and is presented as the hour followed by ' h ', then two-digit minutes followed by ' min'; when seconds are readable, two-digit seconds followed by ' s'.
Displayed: 3 h 06 min
